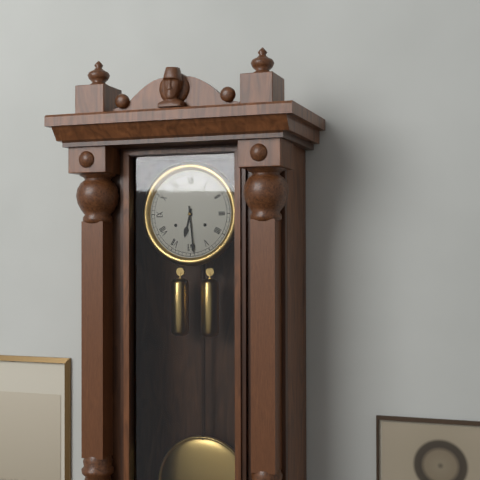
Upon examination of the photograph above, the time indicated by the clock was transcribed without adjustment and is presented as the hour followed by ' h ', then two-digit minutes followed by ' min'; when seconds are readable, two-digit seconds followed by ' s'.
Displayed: 6 h 29 min
